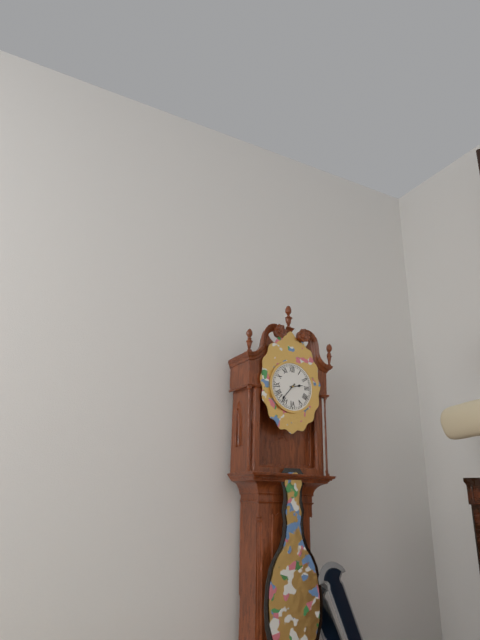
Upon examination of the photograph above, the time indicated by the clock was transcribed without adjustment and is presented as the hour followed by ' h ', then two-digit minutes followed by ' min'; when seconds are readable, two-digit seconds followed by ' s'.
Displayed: 2 h 37 min
